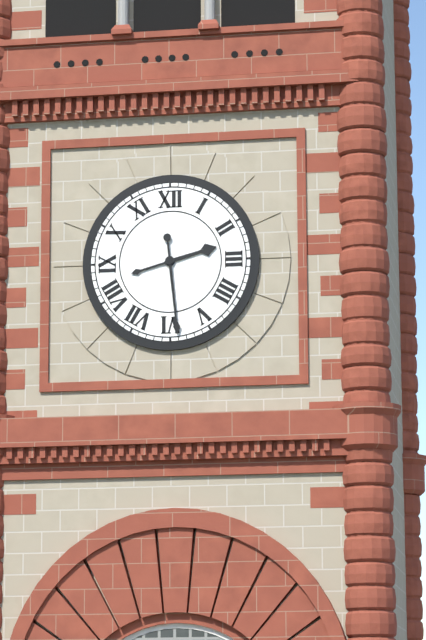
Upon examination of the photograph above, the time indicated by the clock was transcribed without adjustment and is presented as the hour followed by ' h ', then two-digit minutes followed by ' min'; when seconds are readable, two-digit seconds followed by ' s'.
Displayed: 2 h 29 min
